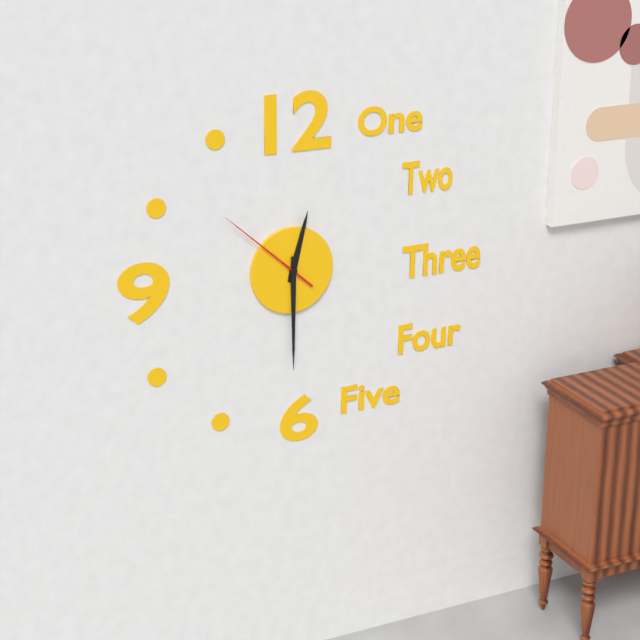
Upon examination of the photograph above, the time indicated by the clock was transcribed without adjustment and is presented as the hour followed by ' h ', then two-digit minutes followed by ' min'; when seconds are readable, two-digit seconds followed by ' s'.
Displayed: 12 h 30 min 52 s
